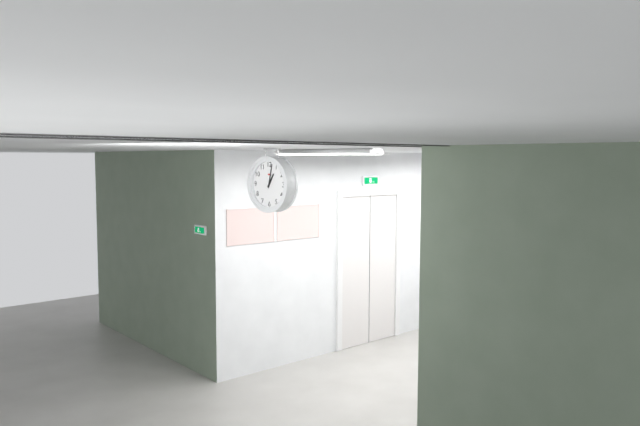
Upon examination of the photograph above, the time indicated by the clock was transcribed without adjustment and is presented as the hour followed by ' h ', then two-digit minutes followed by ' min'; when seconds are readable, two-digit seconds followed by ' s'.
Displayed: 1 h 02 min
